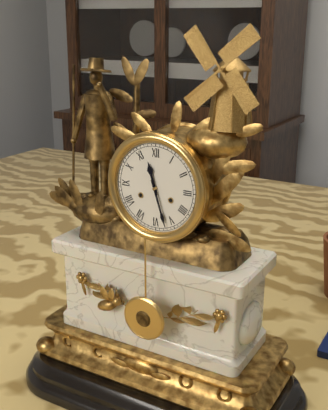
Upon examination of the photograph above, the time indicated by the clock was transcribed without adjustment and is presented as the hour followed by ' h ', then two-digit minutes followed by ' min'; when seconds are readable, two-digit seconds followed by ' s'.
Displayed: 11 h 27 min
